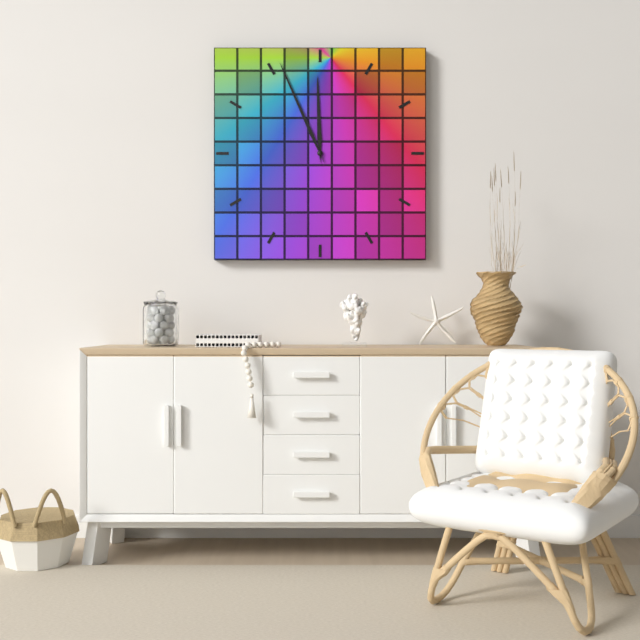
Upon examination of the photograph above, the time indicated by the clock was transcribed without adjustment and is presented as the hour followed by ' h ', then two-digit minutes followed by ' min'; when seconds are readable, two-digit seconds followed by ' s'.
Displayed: 11 h 56 min
